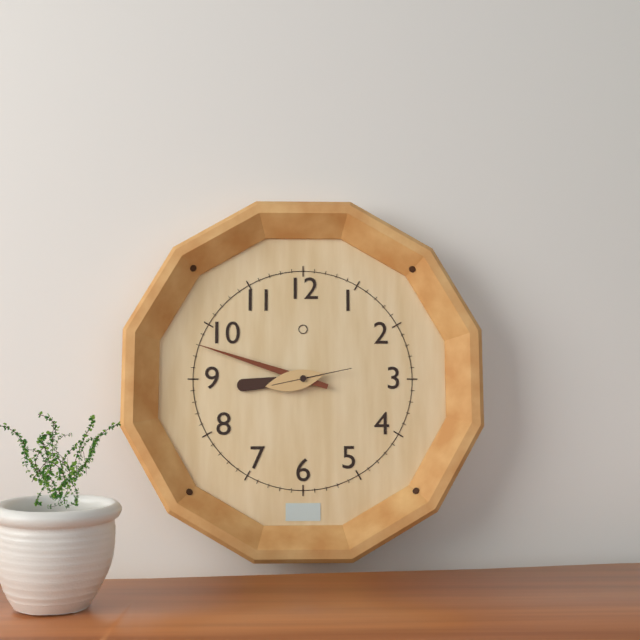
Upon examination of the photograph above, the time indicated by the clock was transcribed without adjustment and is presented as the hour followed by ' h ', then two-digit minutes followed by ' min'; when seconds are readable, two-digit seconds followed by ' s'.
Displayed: 8 h 48 min 13 s
